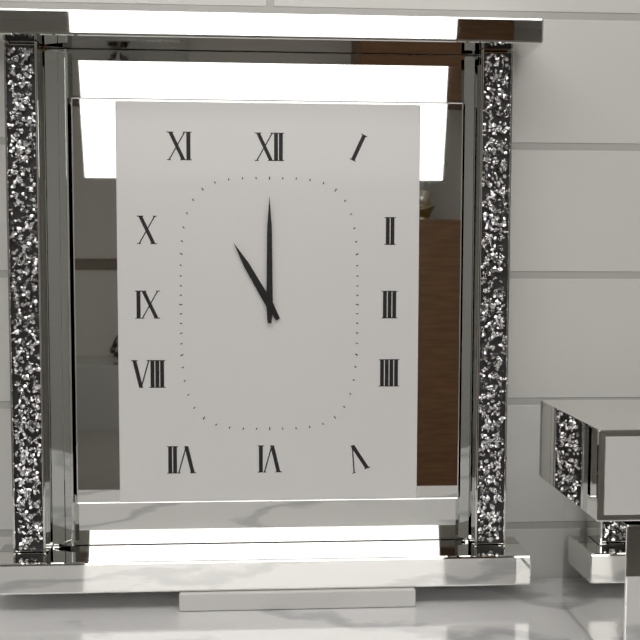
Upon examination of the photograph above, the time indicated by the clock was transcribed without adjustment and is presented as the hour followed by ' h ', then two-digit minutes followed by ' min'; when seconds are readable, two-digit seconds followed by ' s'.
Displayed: 11 h 00 min
